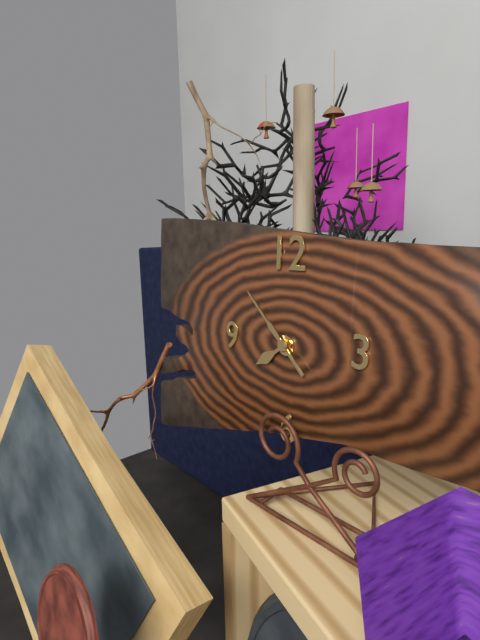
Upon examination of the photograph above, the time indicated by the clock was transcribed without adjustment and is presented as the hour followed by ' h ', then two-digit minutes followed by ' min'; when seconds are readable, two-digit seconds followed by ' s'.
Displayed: 7 h 52 min
